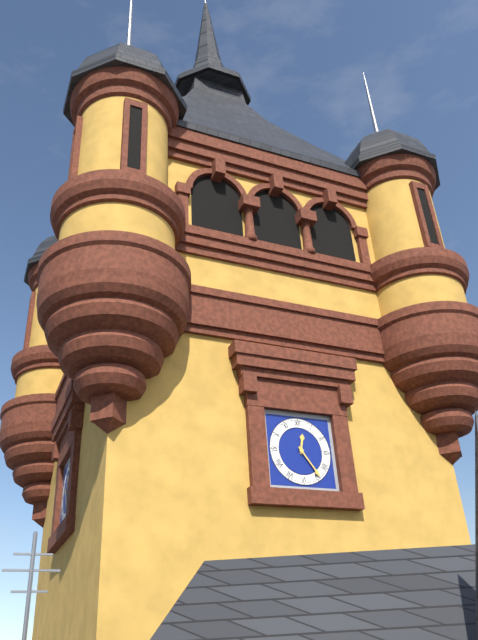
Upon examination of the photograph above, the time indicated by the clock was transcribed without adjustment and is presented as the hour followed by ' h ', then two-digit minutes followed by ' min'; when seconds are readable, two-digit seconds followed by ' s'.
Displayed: 12 h 24 min
